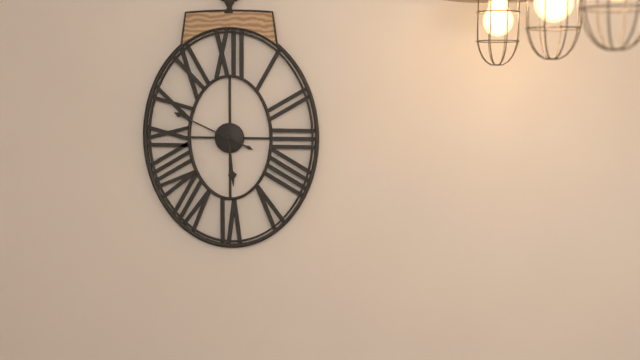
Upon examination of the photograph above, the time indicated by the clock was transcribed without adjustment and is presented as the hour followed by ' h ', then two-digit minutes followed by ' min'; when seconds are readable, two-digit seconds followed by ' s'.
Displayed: 5 h 49 min
